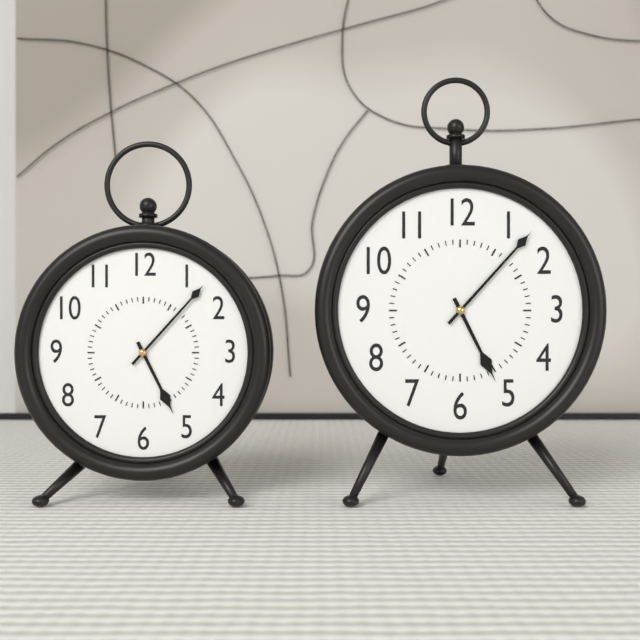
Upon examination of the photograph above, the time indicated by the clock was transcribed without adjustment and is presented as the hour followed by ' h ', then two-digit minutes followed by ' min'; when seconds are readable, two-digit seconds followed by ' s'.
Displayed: 5 h 07 min
